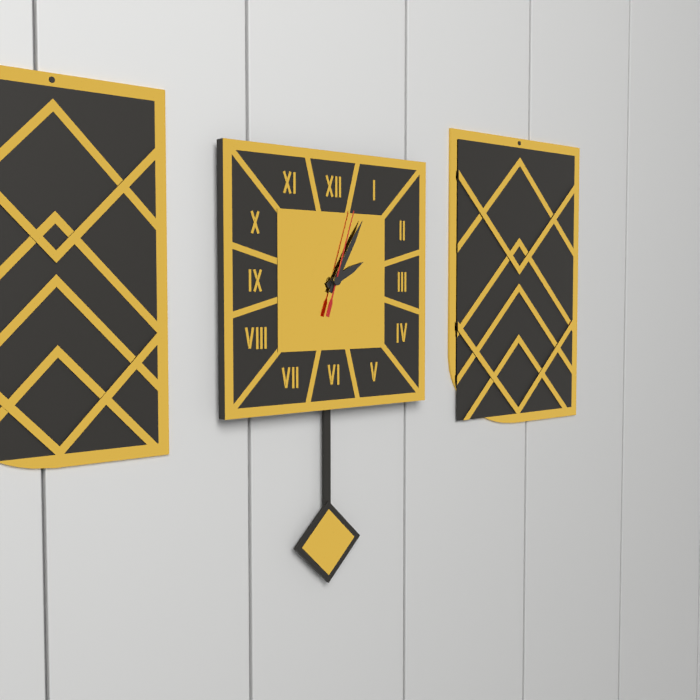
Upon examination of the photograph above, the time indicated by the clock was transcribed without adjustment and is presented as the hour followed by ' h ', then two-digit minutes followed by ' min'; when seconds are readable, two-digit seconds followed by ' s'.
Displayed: 2 h 05 min 03 s
